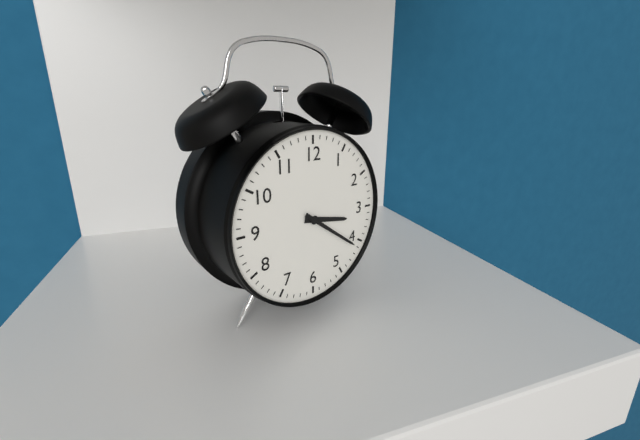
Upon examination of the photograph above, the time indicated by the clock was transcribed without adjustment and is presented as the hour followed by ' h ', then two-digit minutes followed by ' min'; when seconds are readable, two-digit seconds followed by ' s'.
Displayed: 3 h 21 min
